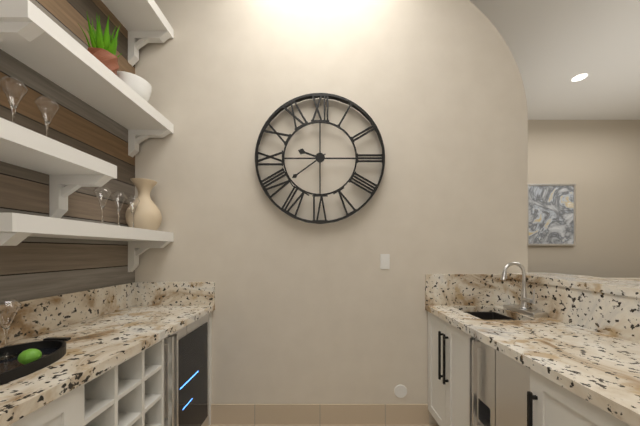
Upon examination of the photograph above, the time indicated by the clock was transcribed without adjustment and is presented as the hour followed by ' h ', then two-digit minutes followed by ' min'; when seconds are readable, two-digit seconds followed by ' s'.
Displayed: 9 h 39 min
